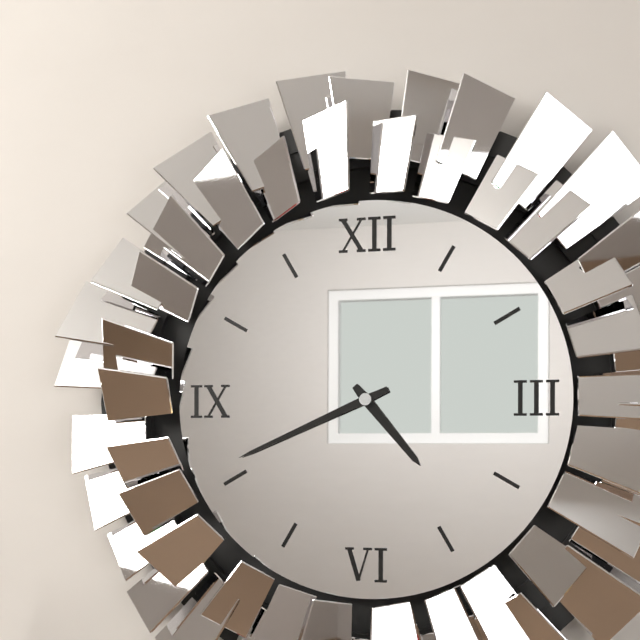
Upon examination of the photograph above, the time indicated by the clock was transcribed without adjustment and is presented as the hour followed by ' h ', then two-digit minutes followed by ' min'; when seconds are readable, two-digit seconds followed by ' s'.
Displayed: 4 h 41 min
